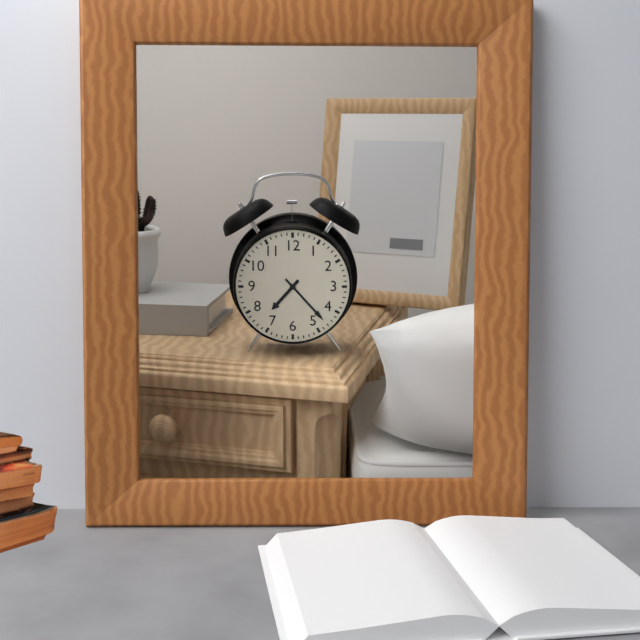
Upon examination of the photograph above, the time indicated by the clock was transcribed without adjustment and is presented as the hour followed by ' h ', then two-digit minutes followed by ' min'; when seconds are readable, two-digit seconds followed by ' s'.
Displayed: 7 h 23 min
